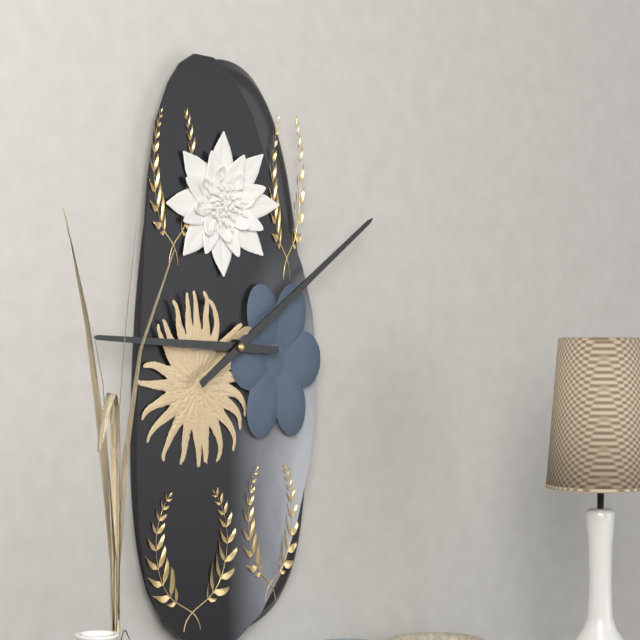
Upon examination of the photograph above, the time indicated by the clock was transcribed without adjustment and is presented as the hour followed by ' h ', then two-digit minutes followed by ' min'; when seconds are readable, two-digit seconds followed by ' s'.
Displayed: 9 h 09 min
